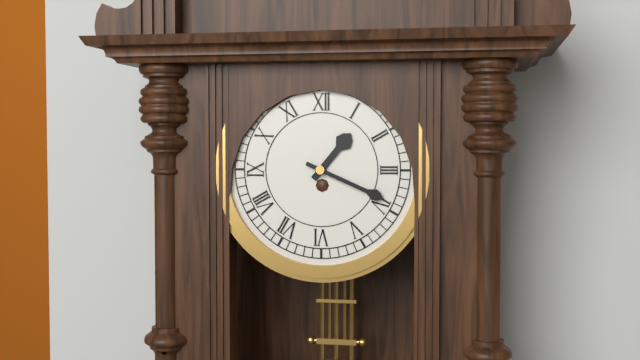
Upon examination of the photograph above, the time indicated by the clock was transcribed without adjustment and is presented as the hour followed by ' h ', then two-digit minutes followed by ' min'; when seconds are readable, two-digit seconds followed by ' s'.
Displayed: 1 h 19 min
